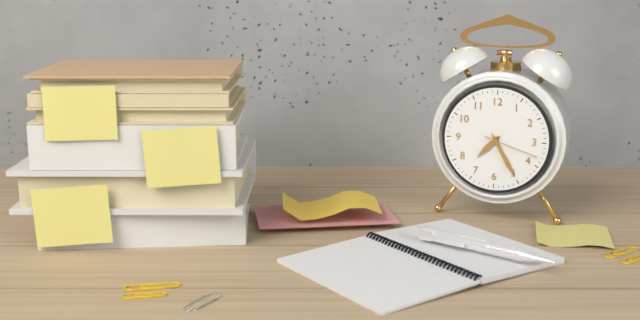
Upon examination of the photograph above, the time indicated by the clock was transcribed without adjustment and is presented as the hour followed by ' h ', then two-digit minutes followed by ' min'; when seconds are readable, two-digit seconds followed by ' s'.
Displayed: 7 h 25 min 18 s
